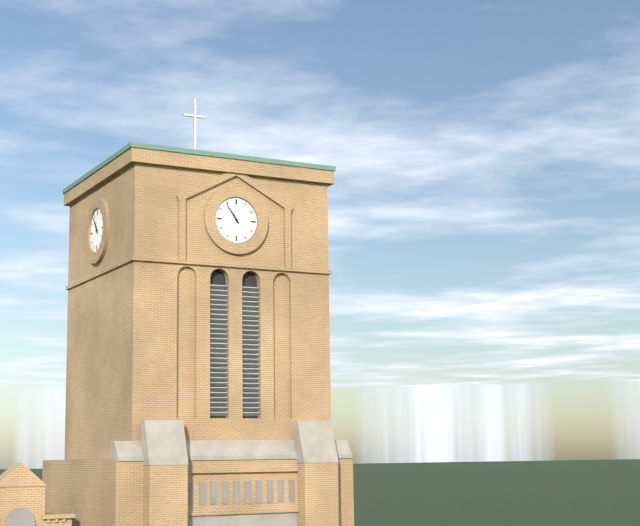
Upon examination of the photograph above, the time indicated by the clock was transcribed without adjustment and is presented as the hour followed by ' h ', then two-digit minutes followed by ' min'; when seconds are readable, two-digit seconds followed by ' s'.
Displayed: 10 h 54 min
